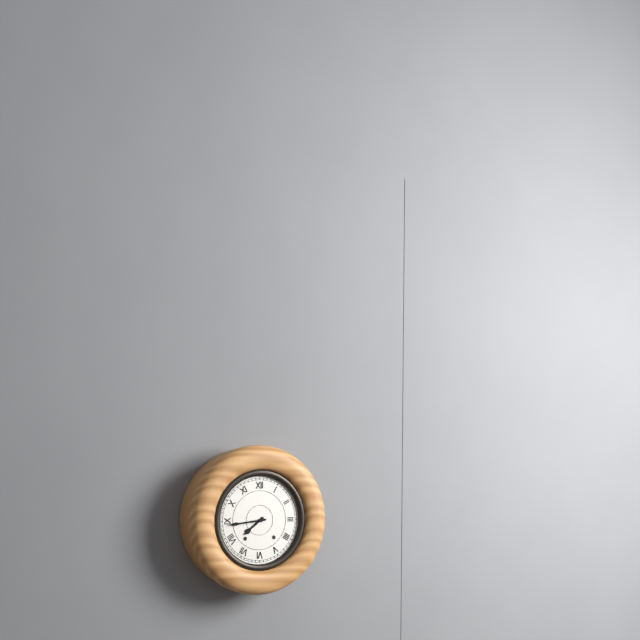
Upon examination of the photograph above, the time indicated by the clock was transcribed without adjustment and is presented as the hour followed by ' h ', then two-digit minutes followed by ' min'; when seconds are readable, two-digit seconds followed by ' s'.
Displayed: 7 h 44 min
